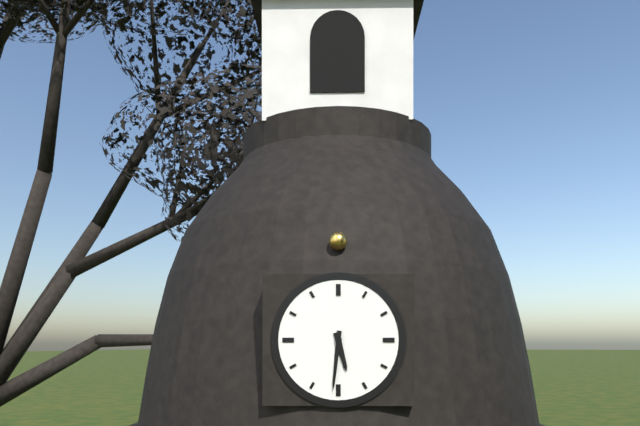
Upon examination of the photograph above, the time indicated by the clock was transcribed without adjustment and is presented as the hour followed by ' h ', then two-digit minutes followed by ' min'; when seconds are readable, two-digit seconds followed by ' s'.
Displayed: 5 h 31 min
